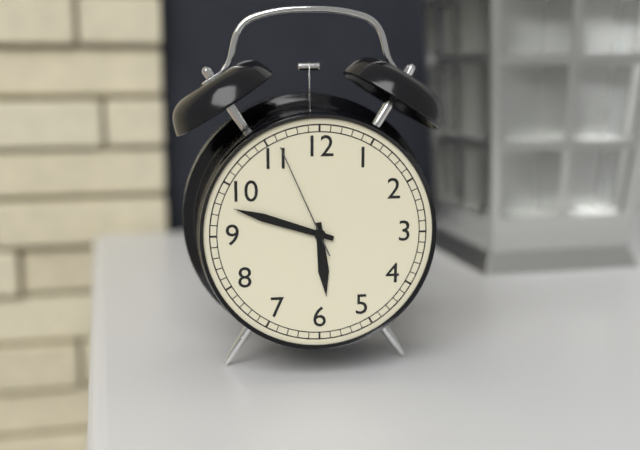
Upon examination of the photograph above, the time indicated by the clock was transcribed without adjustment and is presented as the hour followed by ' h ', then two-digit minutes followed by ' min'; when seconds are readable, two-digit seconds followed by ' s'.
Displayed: 5 h 48 min 56 s
